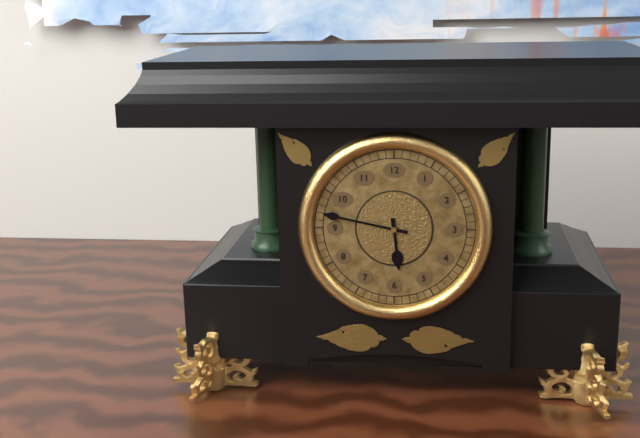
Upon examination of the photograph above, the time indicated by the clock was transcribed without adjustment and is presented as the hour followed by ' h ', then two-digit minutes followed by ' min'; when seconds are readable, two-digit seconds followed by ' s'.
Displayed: 5 h 47 min
